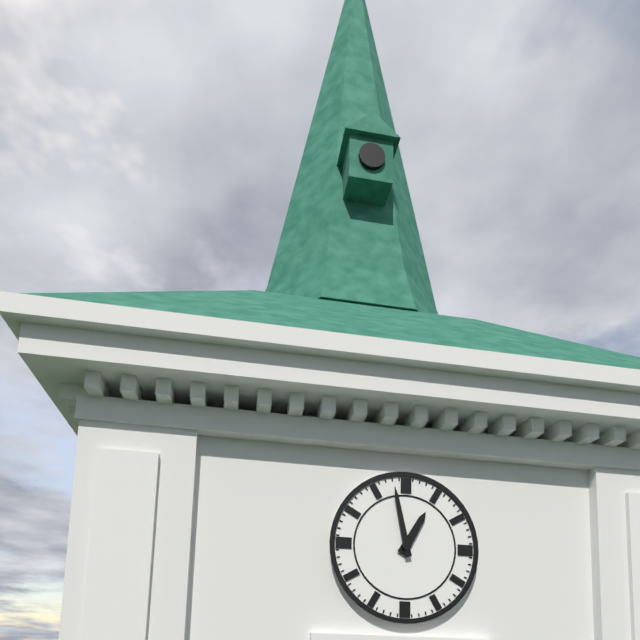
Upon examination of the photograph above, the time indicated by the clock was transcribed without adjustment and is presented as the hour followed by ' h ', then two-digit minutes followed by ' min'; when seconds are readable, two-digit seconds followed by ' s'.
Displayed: 12 h 58 min
